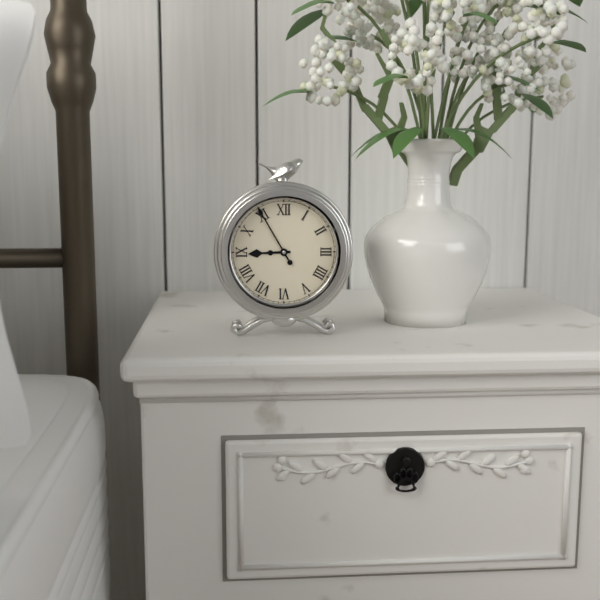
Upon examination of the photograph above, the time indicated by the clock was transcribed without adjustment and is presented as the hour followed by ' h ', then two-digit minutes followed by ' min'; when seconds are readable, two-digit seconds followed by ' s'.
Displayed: 8 h 55 min
